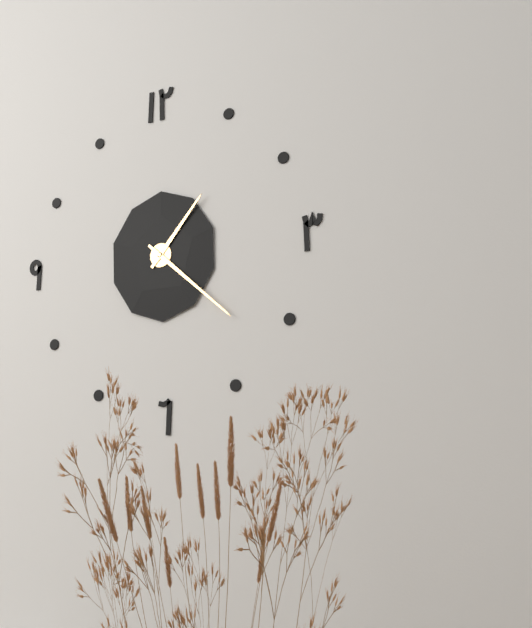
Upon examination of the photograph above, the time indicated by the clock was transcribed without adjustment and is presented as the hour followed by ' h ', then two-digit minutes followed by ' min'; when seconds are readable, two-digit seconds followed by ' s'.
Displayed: 1 h 22 min
